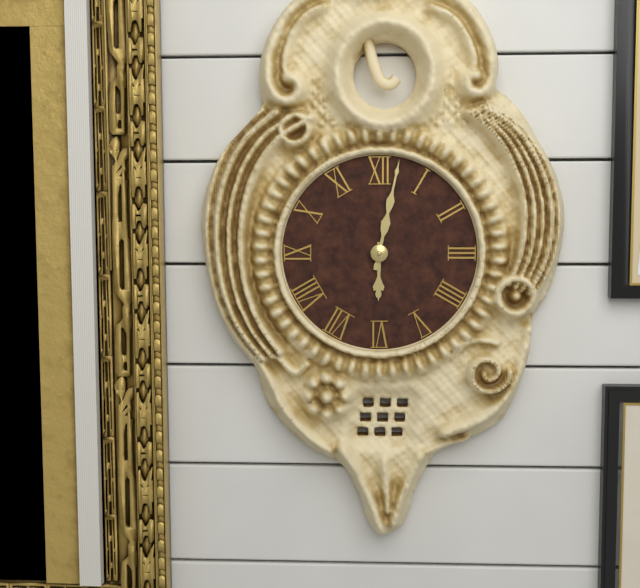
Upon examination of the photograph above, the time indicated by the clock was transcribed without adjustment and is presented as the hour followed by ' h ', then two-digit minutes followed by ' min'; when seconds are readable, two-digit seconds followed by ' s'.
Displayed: 6 h 02 min
